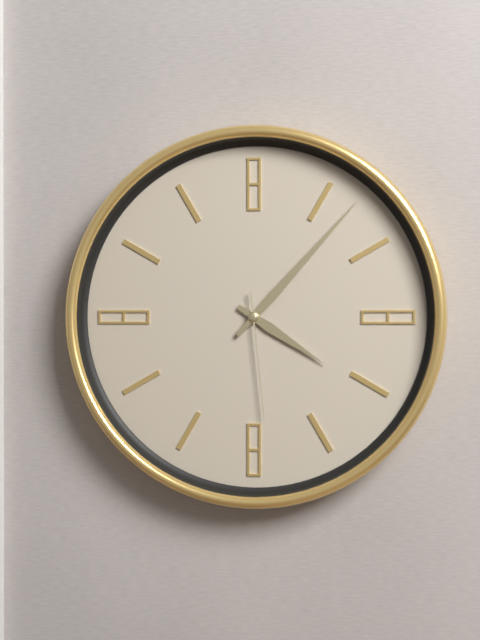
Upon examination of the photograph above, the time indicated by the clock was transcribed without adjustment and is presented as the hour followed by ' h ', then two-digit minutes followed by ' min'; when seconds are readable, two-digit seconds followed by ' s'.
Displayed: 4 h 07 min 29 s
